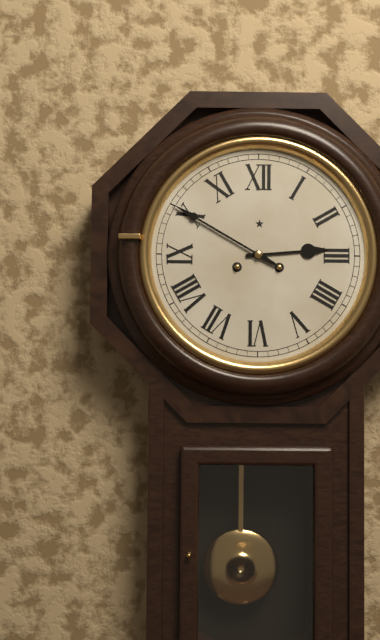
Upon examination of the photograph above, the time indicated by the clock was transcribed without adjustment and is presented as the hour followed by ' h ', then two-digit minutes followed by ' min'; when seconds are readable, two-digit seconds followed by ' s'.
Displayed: 2 h 50 min
